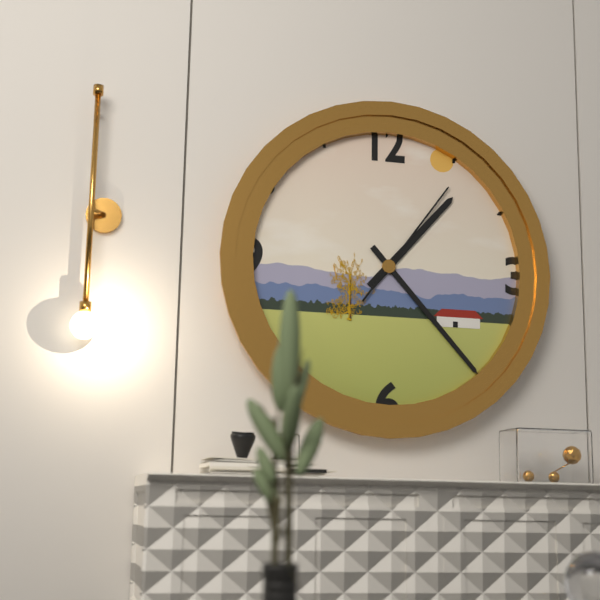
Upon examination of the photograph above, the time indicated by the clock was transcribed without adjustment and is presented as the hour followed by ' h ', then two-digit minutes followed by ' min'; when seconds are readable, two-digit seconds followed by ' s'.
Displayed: 1 h 23 min 06 s
